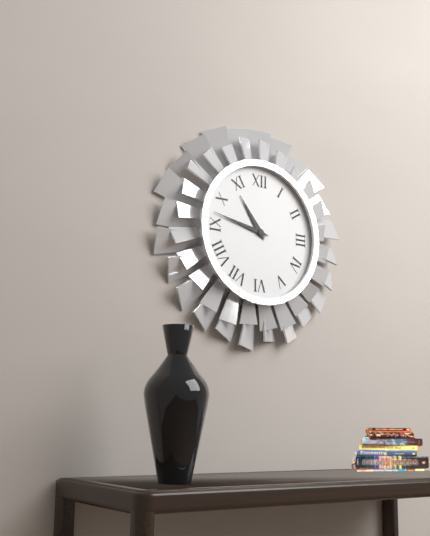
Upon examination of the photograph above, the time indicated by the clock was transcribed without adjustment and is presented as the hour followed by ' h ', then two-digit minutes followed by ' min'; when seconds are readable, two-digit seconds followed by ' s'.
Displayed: 10 h 47 min
